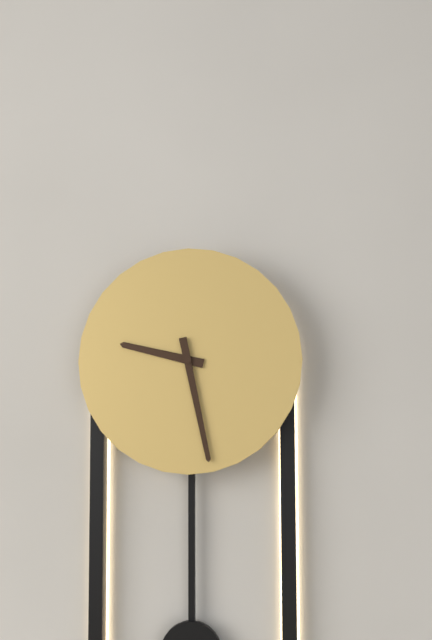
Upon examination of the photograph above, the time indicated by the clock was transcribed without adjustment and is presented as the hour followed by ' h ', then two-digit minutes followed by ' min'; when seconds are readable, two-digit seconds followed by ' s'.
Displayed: 9 h 28 min
